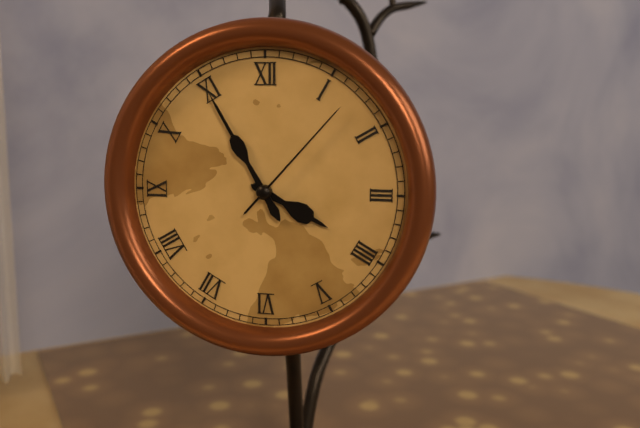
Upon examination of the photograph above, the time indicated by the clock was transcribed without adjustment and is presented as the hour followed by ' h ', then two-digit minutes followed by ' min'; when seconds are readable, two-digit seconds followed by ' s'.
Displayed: 3 h 55 min 07 s
